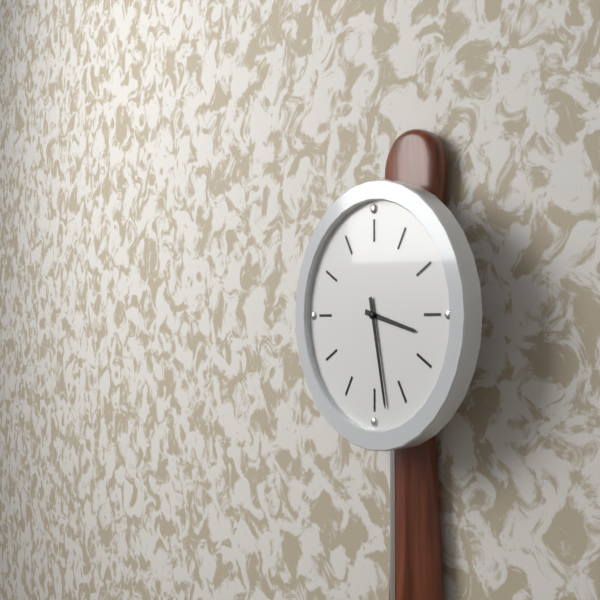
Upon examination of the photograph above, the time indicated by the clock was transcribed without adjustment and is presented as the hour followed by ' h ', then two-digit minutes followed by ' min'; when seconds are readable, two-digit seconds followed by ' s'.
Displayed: 3 h 28 min
